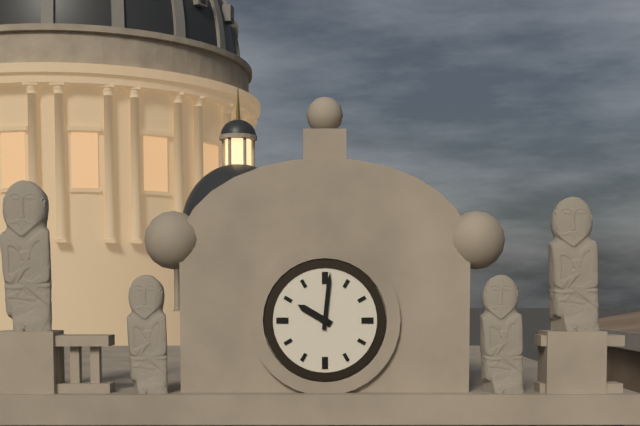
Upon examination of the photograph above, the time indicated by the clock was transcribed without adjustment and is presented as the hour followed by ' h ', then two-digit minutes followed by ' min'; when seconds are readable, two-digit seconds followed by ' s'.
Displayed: 10 h 01 min
